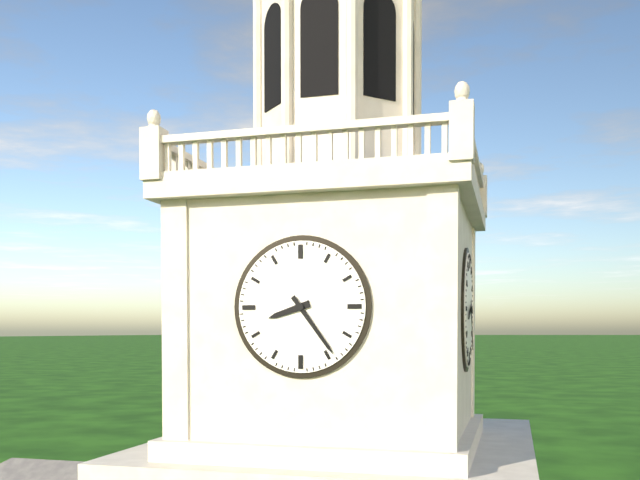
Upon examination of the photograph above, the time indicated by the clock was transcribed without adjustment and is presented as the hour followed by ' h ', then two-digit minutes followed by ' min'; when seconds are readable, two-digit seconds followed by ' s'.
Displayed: 8 h 24 min
